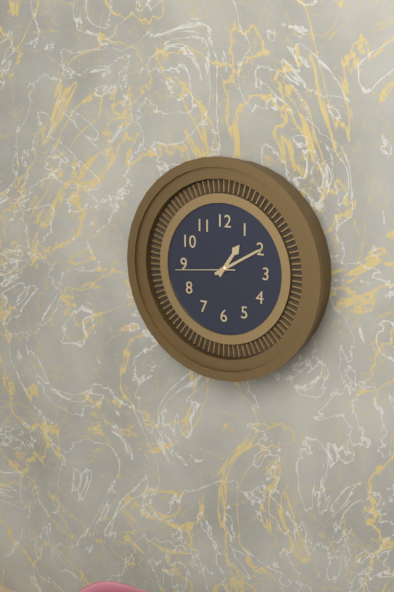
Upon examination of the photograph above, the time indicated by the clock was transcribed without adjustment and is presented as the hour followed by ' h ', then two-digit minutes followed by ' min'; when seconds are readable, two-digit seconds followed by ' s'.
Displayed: 1 h 10 min 44 s
